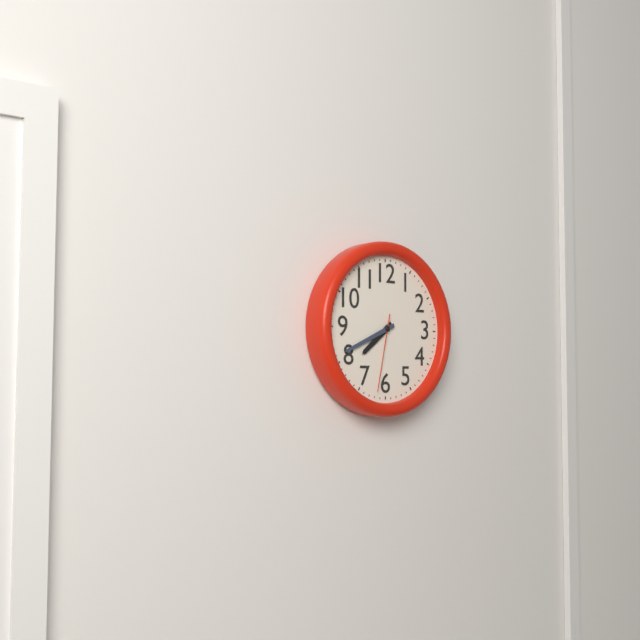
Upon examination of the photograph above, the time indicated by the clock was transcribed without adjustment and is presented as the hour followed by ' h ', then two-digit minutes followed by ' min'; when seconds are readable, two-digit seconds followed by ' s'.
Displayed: 7 h 41 min 32 s
